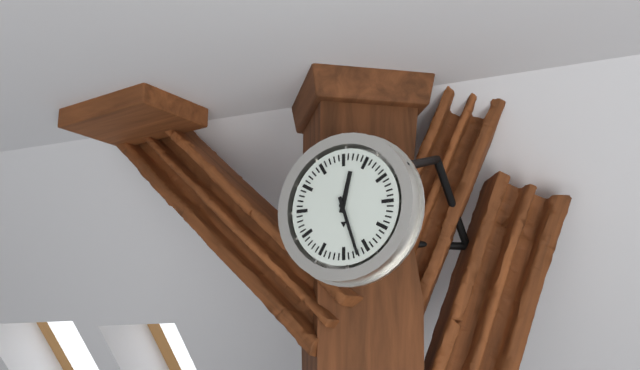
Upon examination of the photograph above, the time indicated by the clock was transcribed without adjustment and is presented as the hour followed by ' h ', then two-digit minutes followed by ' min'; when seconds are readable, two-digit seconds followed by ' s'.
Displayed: 12 h 27 min
